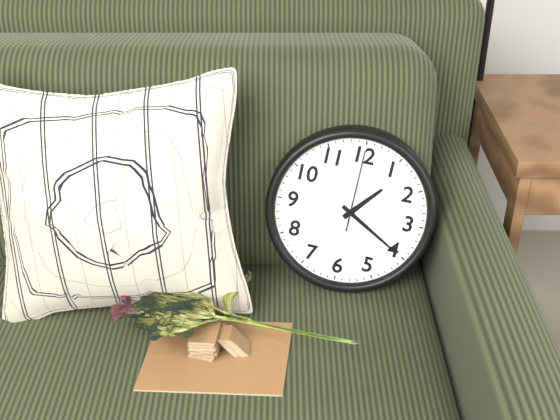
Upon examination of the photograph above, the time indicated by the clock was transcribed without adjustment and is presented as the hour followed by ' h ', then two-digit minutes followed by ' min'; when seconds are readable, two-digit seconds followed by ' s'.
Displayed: 1 h 20 min 00 s
